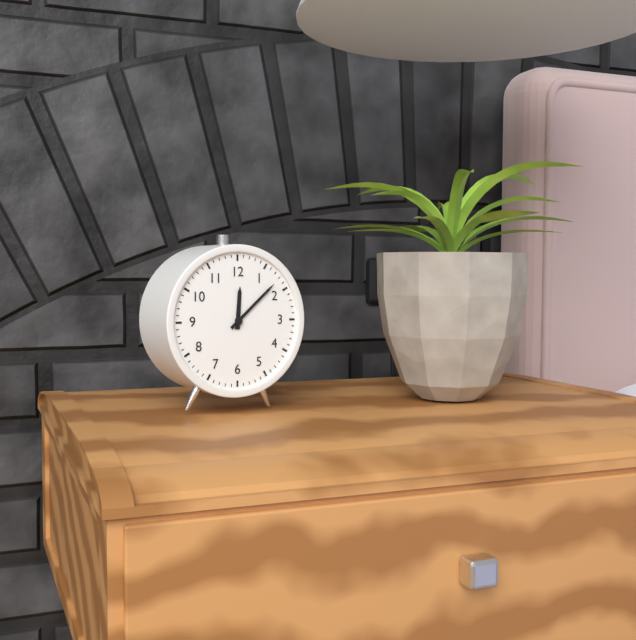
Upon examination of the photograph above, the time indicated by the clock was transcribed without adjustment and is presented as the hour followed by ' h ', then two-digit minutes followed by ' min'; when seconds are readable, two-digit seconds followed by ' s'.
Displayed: 12 h 08 min
